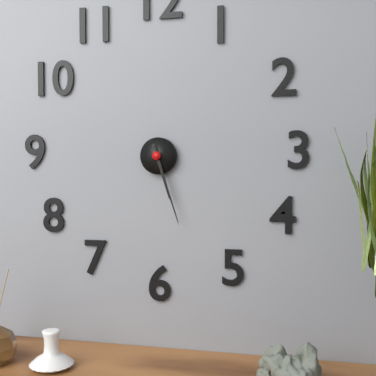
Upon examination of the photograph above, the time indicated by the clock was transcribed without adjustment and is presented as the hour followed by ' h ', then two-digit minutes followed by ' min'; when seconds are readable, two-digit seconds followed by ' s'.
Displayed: 5 h 27 min
